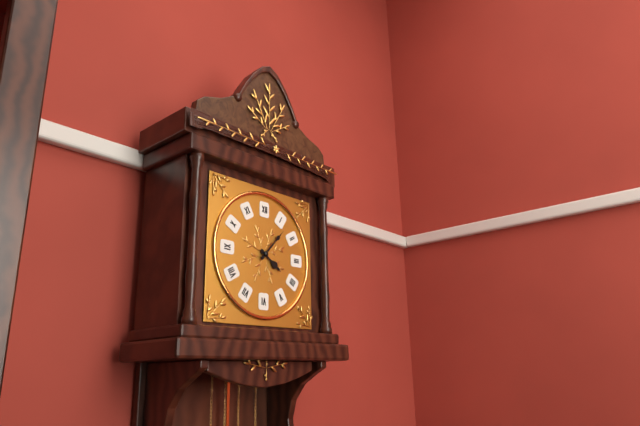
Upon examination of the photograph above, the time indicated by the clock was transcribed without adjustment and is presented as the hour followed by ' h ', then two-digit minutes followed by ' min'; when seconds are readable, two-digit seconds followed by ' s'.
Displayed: 4 h 07 min
